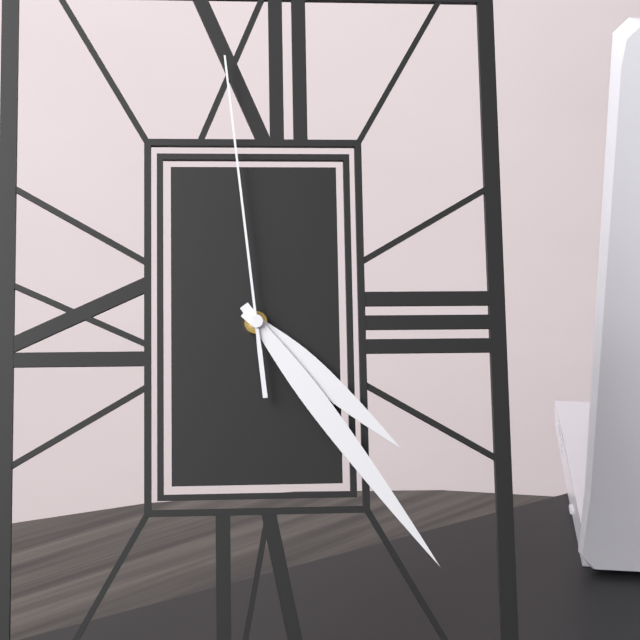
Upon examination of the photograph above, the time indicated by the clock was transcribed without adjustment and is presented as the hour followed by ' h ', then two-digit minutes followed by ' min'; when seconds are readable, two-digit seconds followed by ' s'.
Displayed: 4 h 24 min 59 s
